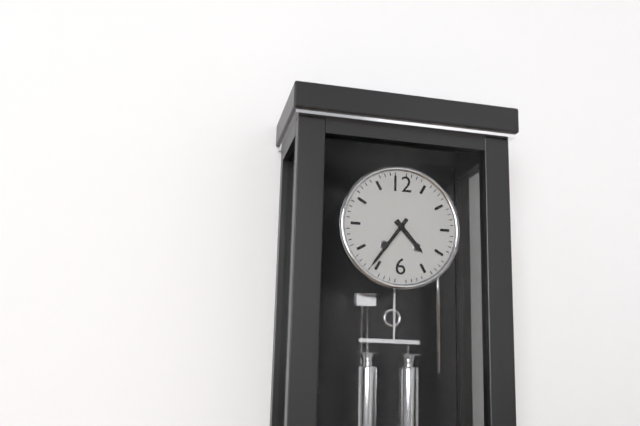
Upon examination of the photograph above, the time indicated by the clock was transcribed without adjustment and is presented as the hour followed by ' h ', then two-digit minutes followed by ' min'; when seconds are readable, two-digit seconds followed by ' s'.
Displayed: 4 h 36 min
